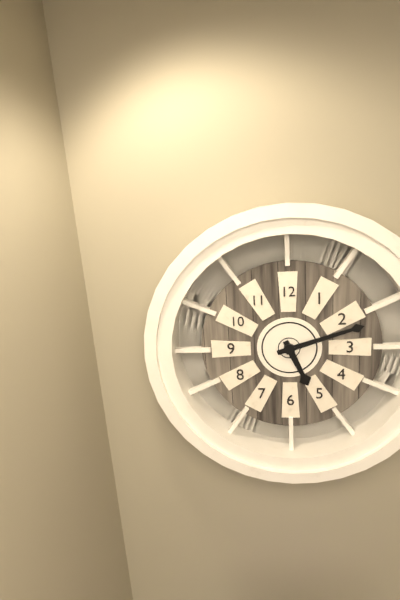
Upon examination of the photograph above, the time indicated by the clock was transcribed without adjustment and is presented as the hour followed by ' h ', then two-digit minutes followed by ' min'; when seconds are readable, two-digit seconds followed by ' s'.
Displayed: 5 h 12 min
